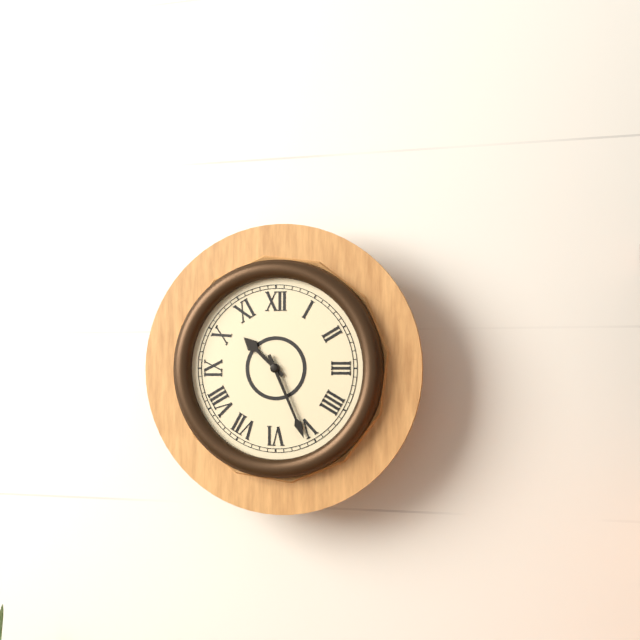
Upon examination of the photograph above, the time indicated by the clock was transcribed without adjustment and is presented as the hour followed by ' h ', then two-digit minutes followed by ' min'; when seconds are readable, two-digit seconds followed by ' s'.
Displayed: 10 h 26 min
